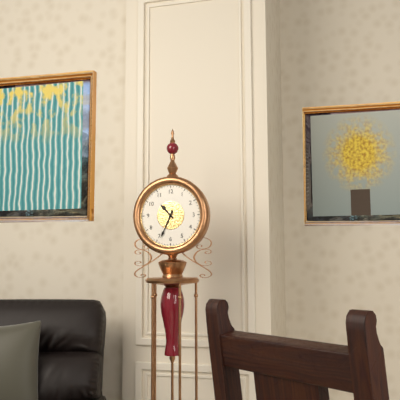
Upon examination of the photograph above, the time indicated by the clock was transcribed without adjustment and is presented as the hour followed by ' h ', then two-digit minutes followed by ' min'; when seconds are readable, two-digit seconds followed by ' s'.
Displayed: 10 h 34 min
